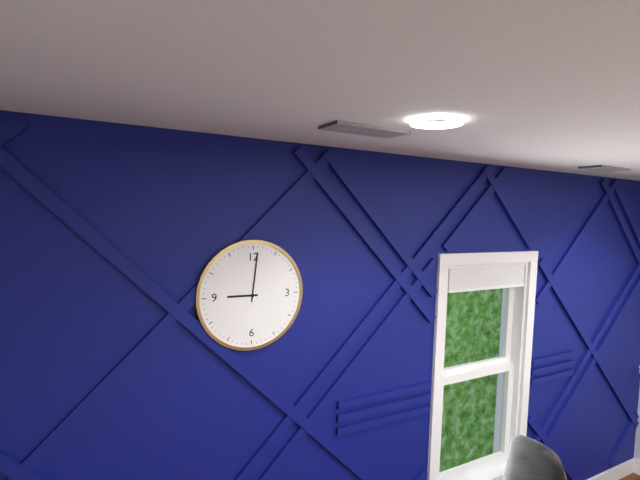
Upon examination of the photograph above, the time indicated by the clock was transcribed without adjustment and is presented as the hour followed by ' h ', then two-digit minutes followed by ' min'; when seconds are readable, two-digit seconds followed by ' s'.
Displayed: 9 h 01 min
